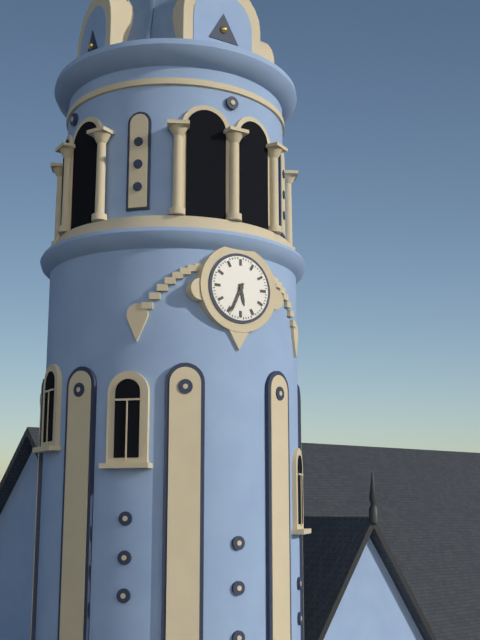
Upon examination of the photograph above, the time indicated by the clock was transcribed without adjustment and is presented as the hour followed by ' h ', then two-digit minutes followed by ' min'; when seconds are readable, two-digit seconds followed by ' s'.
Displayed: 5 h 34 min
